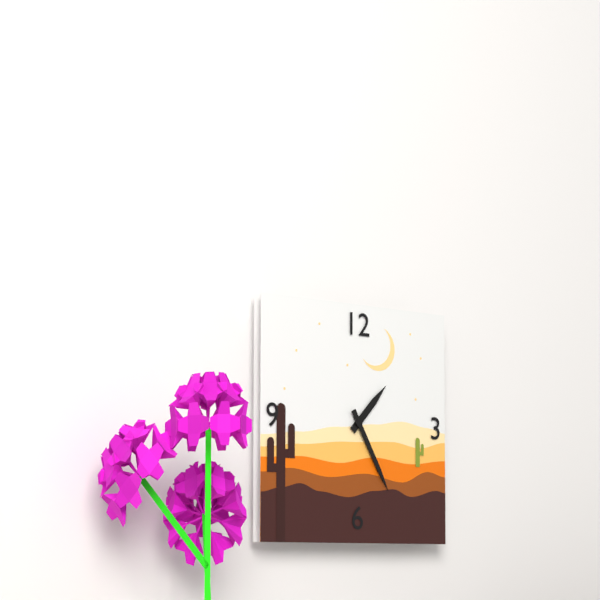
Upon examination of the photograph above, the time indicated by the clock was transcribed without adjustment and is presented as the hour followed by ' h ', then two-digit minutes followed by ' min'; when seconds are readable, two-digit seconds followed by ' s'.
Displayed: 1 h 25 min
